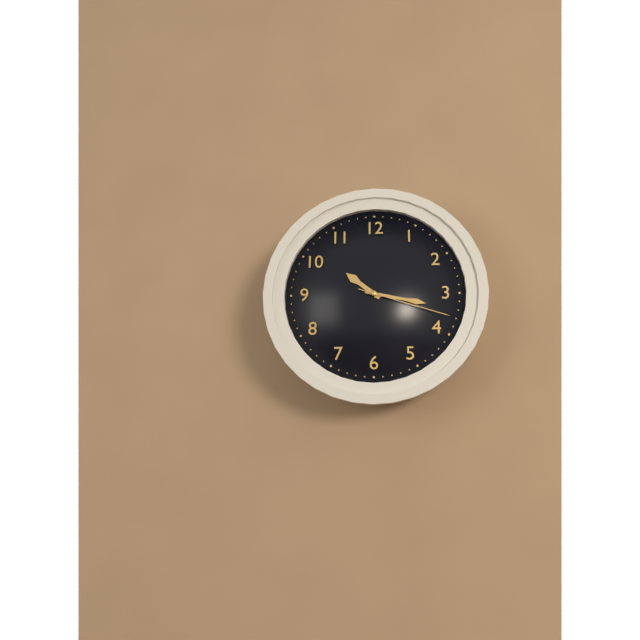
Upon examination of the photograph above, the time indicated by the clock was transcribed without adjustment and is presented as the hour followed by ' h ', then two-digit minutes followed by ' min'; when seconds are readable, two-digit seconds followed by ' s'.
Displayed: 10 h 17 min 18 s
